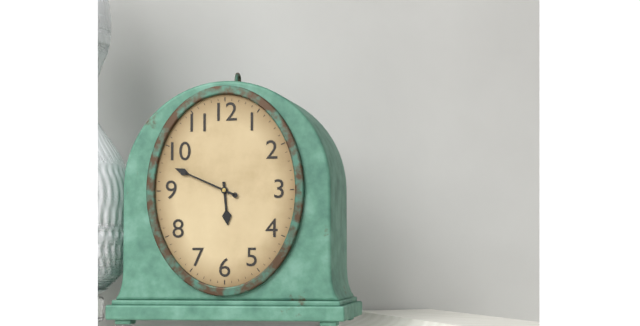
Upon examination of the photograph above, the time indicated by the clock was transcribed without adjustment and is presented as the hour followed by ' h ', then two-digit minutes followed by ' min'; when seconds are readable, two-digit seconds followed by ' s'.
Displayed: 5 h 49 min
